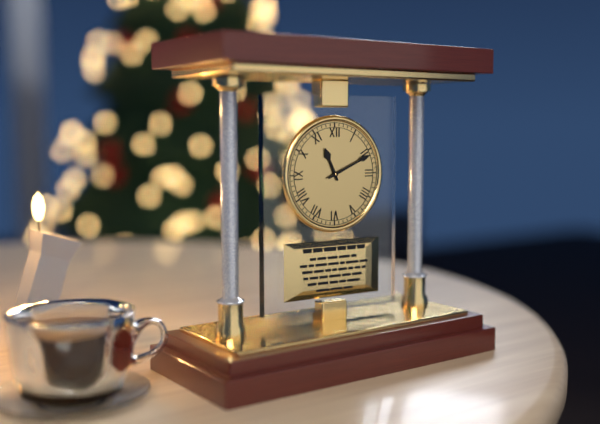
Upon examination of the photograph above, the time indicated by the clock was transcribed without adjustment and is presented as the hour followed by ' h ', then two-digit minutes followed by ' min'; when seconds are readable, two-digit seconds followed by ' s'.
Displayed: 11 h 11 min
